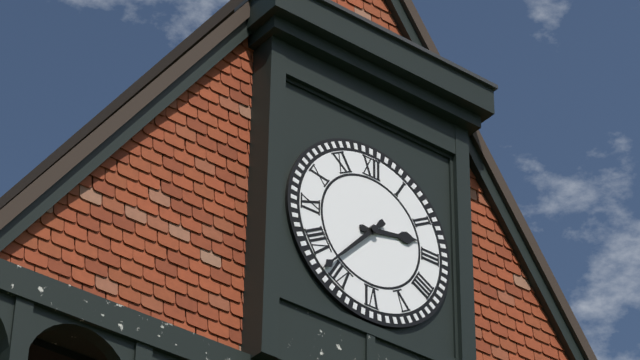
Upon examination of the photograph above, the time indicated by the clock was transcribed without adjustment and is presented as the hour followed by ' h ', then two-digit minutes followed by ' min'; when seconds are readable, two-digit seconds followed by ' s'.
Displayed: 2 h 37 min
